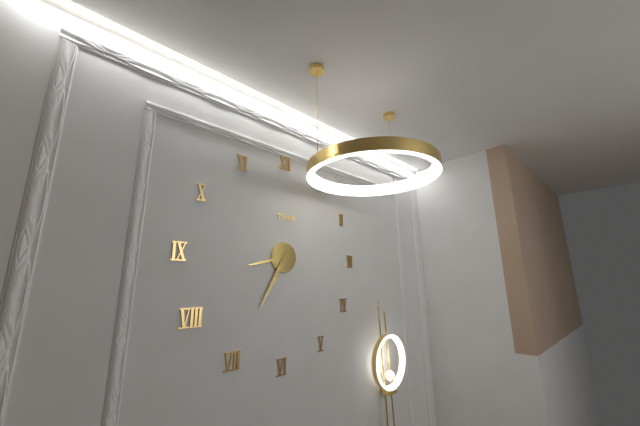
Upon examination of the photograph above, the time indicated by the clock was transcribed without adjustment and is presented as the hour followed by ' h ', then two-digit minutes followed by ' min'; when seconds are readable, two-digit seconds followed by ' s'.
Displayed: 8 h 35 min
